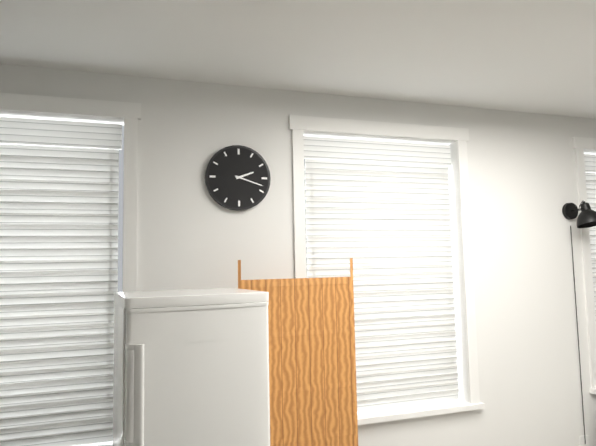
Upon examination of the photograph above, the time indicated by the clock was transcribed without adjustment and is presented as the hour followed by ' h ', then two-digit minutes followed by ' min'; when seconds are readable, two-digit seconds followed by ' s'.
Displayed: 2 h 18 min
